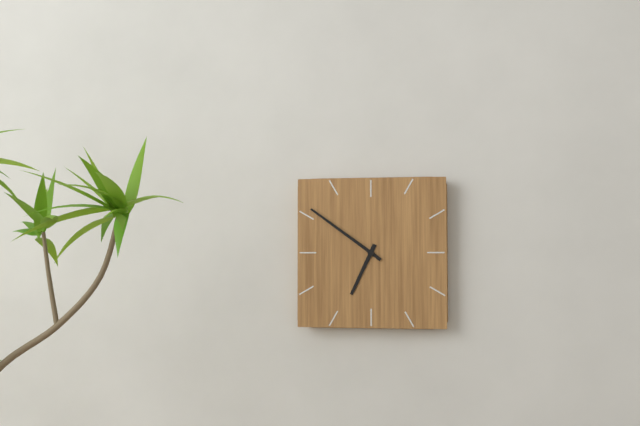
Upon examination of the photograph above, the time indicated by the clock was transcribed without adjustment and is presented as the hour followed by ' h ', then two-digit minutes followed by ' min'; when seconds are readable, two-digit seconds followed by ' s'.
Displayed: 6 h 51 min
